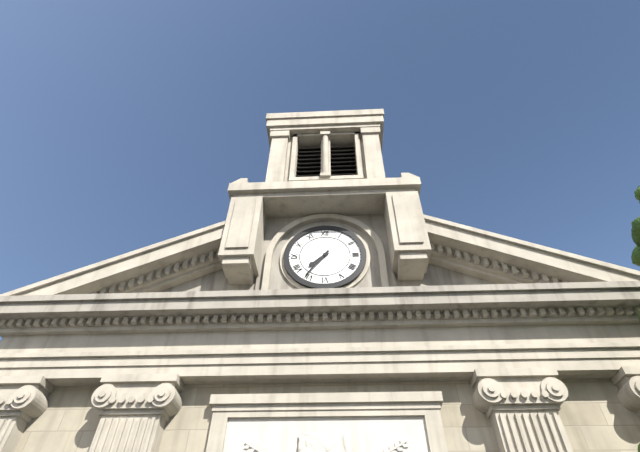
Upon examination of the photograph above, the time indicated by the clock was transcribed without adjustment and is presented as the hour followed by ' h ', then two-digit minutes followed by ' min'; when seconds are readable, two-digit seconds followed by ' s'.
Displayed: 7 h 36 min
